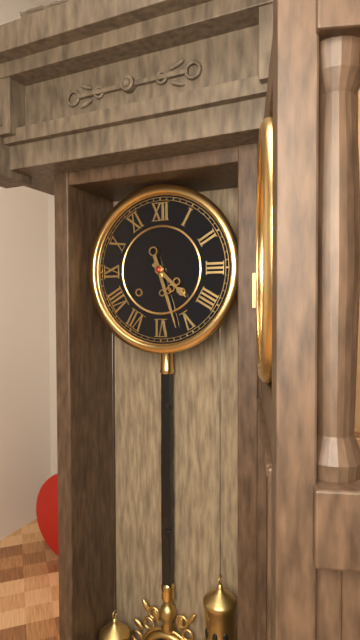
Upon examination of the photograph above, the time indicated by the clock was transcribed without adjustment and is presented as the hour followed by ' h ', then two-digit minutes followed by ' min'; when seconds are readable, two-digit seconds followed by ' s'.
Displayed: 4 h 27 min
